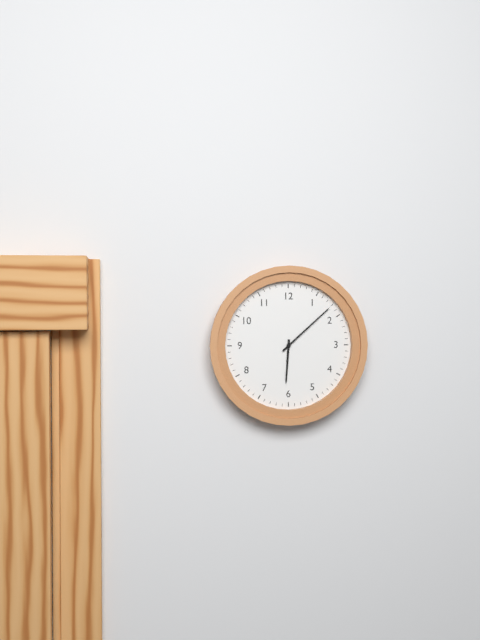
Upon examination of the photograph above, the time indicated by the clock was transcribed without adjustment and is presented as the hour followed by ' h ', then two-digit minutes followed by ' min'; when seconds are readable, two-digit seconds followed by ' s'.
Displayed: 6 h 08 min
